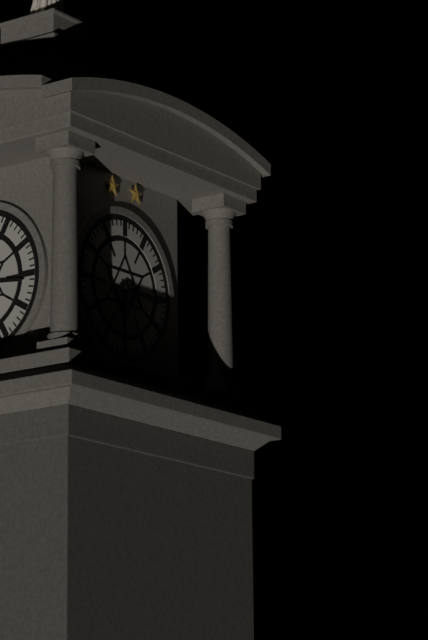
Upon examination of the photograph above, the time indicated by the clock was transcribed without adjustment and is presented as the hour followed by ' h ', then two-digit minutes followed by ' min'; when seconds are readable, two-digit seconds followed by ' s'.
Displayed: 6 h 16 min
